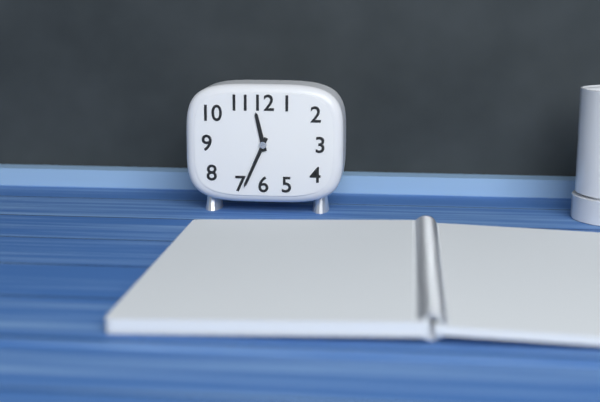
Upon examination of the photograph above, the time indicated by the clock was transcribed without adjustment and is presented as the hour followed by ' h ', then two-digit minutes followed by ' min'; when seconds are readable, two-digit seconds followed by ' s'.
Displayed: 11 h 34 min
